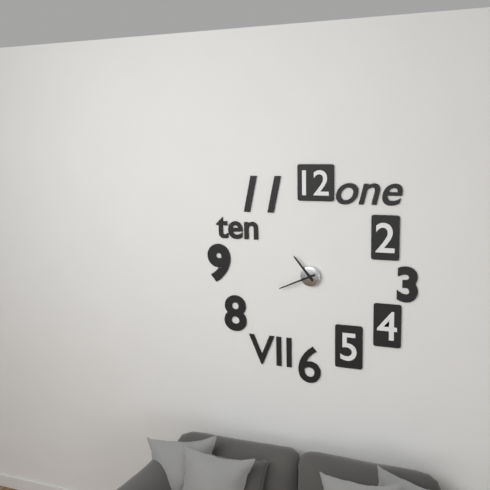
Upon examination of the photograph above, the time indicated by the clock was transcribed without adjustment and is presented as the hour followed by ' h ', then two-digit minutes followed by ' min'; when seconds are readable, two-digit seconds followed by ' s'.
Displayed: 10 h 41 min
